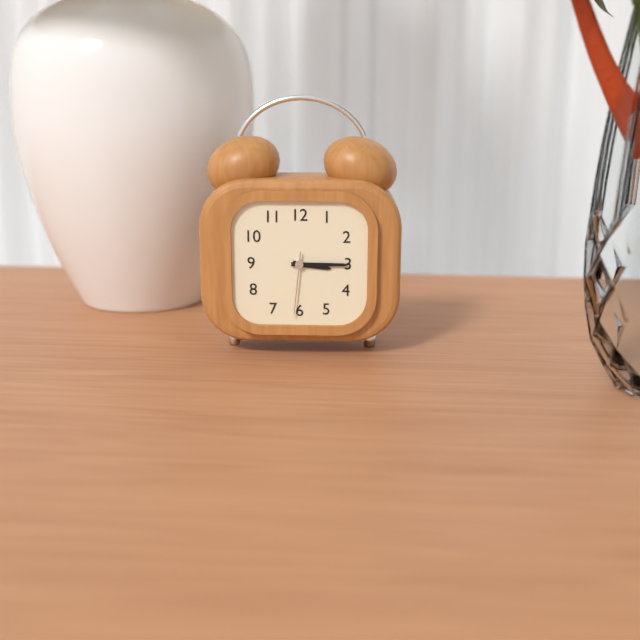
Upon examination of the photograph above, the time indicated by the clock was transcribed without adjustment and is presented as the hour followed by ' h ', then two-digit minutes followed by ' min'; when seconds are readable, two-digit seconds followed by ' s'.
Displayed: 3 h 15 min 31 s
